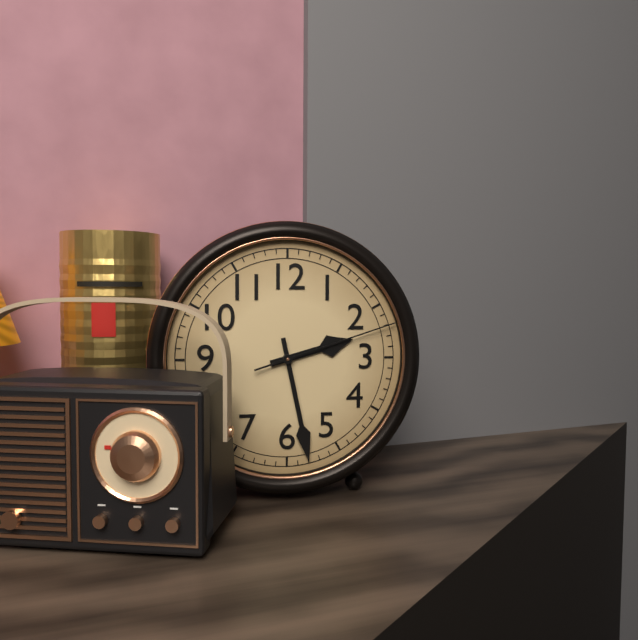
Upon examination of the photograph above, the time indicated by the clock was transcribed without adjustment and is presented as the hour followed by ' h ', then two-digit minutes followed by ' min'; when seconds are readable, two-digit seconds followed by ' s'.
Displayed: 2 h 28 min 12 s
